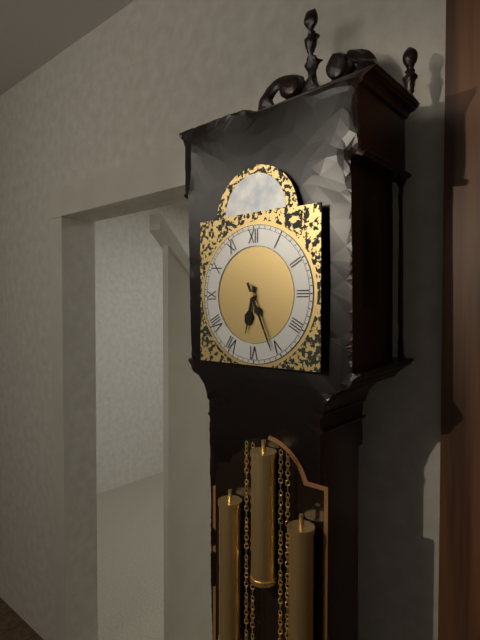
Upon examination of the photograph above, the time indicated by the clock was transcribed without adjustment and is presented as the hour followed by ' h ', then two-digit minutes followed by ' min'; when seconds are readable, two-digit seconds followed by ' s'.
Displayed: 6 h 26 min
